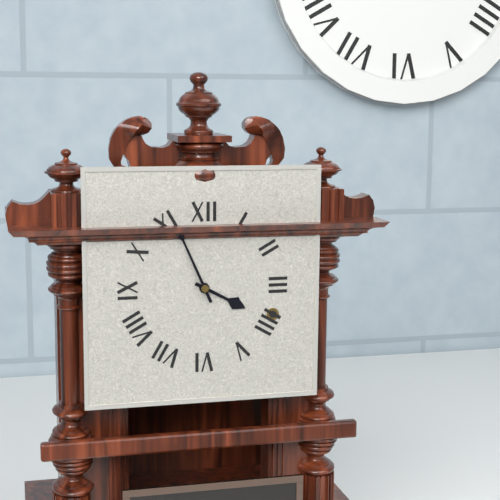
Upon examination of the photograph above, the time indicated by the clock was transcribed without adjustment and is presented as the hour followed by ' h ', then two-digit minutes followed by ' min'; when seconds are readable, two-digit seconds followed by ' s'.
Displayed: 3 h 56 min
